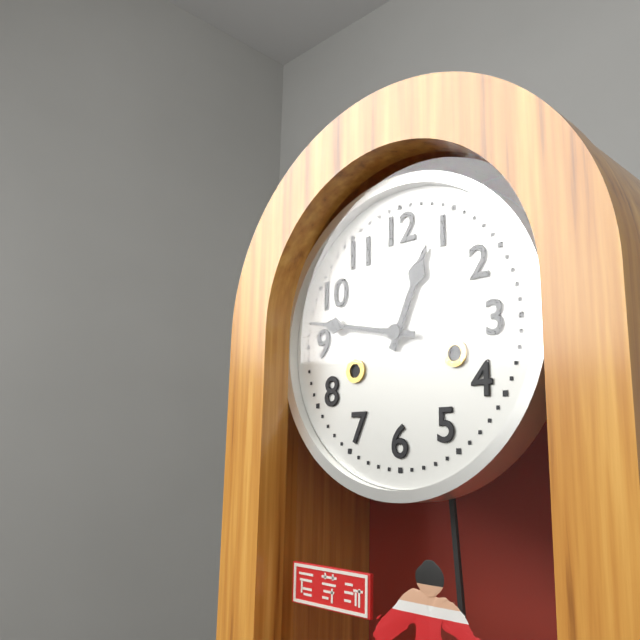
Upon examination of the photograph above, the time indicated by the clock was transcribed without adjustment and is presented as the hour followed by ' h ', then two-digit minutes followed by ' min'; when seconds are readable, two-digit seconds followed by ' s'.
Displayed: 12 h 47 min
